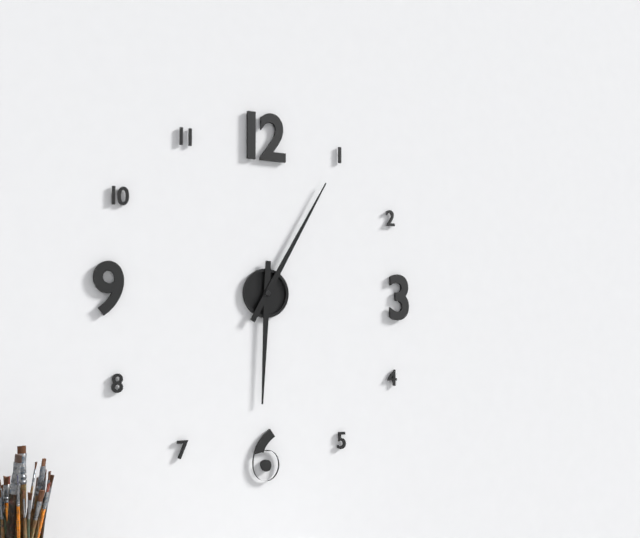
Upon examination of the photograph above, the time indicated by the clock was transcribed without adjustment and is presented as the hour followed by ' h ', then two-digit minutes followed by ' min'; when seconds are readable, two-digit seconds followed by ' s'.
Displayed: 6 h 05 min
